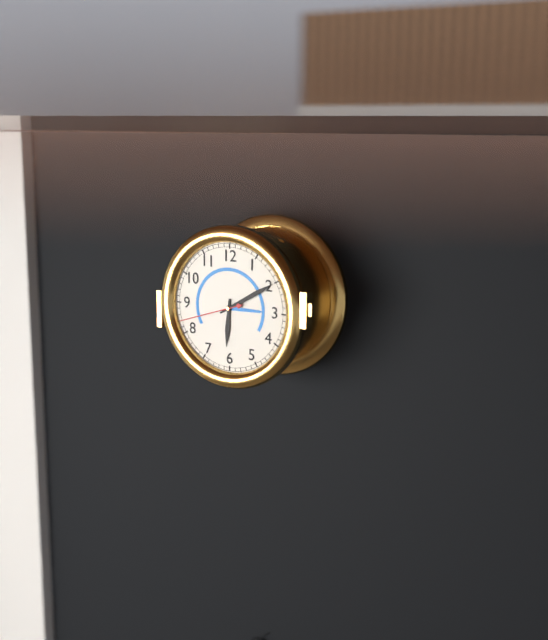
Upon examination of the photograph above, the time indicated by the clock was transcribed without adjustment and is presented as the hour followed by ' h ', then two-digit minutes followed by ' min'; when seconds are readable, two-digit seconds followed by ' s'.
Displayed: 6 h 10 min 42 s
